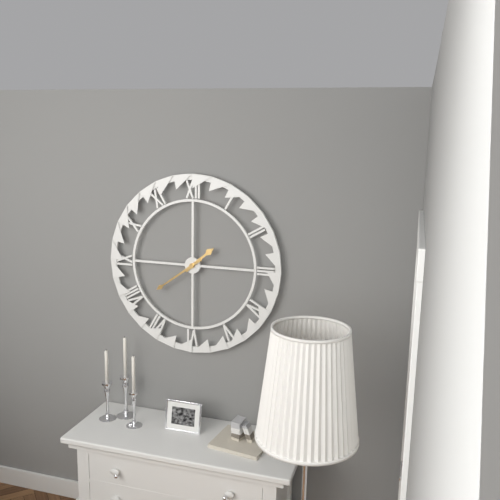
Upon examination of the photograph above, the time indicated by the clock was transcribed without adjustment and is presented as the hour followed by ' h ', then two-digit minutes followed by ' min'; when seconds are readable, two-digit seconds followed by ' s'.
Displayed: 1 h 39 min
